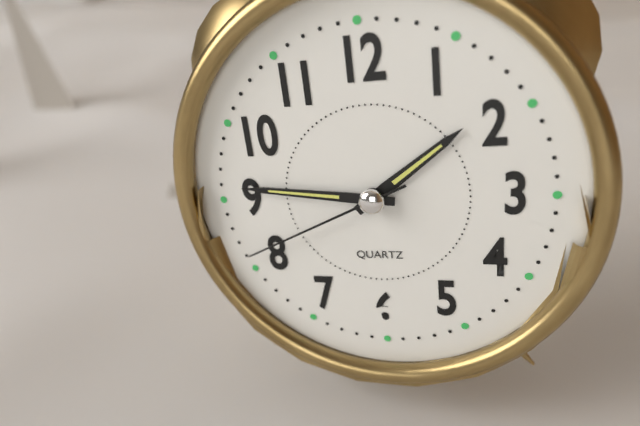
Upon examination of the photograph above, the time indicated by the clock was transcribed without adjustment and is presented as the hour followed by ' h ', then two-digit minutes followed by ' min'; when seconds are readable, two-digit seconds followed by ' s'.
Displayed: 1 h 46 min 41 s
